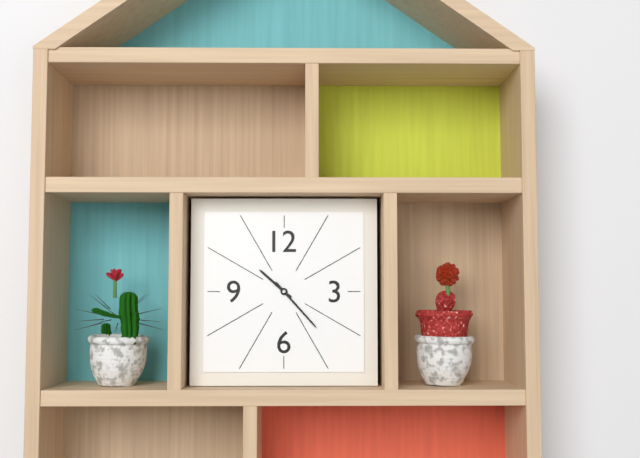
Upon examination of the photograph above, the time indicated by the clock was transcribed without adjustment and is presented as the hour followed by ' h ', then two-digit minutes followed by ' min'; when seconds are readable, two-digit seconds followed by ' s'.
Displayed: 10 h 23 min
